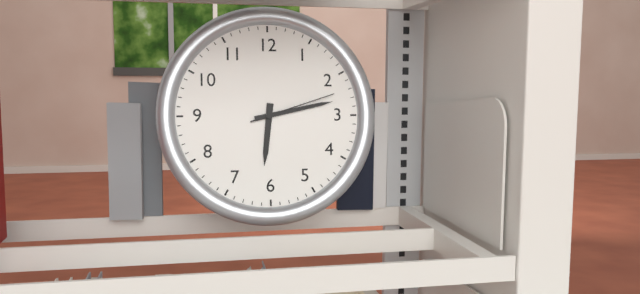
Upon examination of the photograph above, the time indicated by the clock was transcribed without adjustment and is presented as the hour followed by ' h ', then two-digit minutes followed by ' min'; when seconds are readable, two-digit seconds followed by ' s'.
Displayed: 6 h 13 min 12 s
